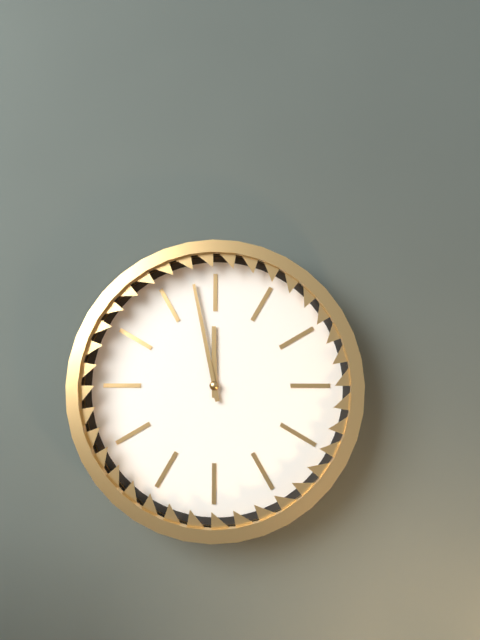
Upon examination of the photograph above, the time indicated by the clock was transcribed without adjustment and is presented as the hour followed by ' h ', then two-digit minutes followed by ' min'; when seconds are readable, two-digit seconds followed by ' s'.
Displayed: 11 h 58 min
